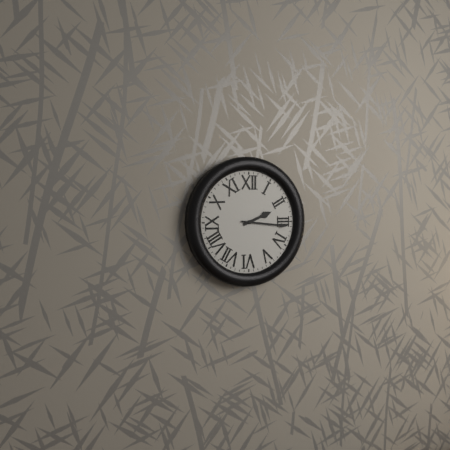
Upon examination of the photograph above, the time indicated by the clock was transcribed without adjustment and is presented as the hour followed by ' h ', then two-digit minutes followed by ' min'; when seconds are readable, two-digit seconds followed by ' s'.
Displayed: 2 h 16 min
